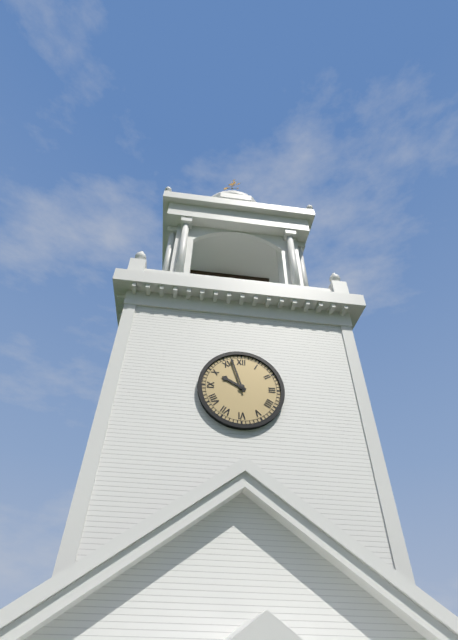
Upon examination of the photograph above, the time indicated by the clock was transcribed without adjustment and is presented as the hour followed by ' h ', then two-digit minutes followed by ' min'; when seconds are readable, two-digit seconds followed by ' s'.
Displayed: 9 h 57 min
